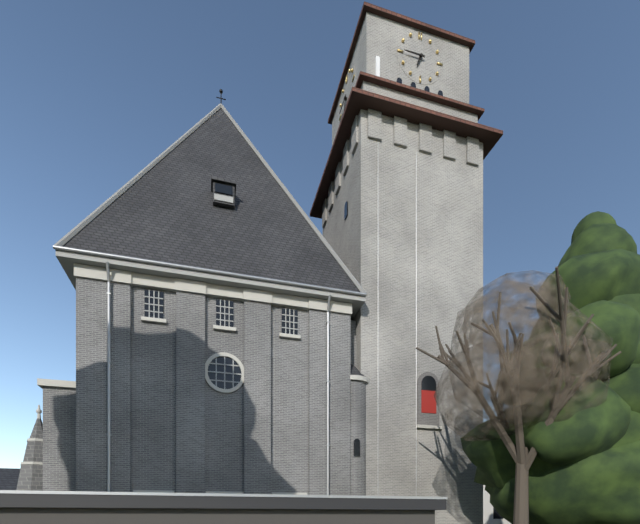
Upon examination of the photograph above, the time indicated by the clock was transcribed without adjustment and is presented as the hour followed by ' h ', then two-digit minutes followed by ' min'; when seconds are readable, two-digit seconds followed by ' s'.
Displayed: 6 h 45 min
